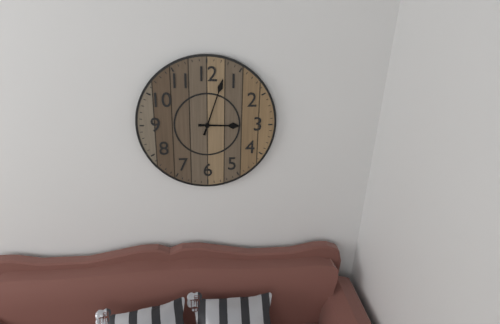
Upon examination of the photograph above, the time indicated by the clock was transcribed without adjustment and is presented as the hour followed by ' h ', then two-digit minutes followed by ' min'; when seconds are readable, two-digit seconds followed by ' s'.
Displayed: 3 h 03 min
